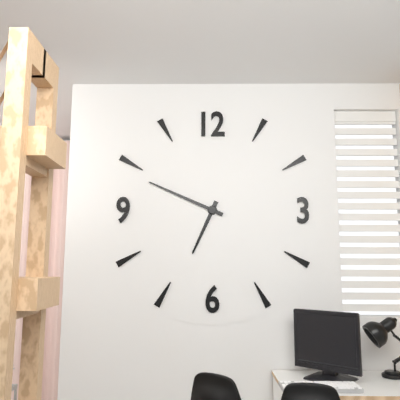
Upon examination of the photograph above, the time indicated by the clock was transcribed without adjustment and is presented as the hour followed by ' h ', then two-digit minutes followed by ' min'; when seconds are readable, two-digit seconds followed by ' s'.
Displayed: 6 h 49 min
